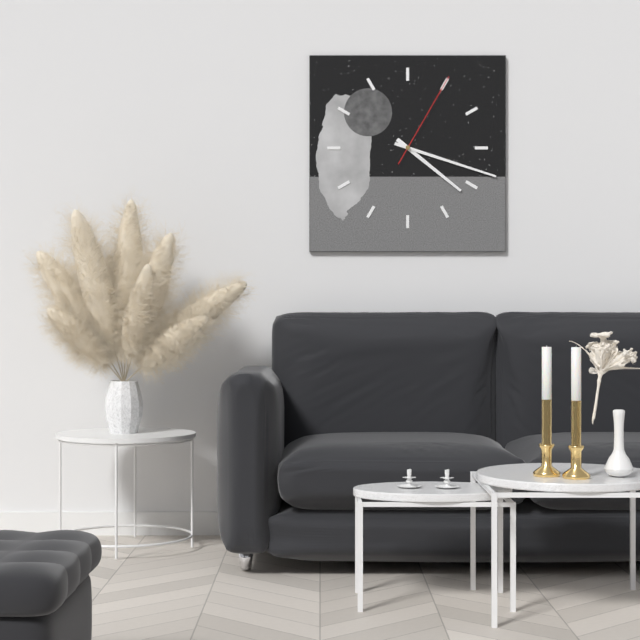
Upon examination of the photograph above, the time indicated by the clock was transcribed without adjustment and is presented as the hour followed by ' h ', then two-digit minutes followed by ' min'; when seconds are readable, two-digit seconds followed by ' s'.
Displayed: 4 h 18 min 05 s
